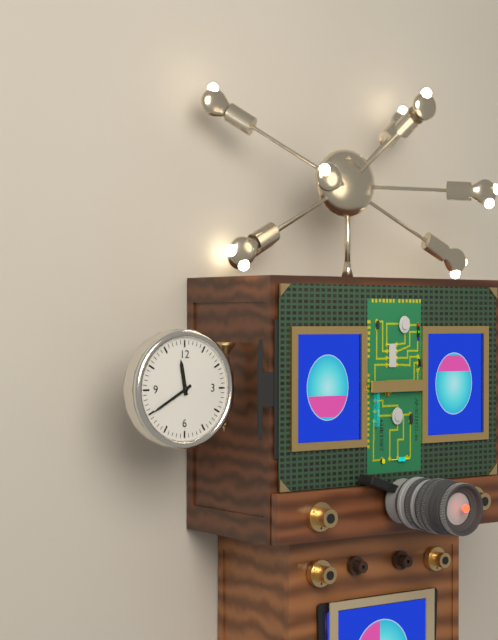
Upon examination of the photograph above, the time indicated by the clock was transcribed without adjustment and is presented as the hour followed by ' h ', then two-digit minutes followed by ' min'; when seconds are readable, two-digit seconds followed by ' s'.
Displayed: 11 h 40 min
